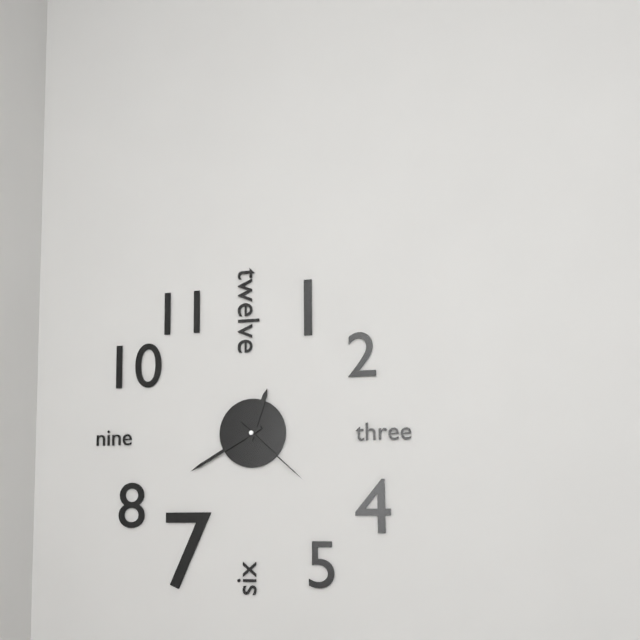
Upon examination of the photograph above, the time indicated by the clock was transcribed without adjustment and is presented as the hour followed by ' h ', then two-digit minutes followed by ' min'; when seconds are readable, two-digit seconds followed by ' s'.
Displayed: 12 h 40 min 22 s
